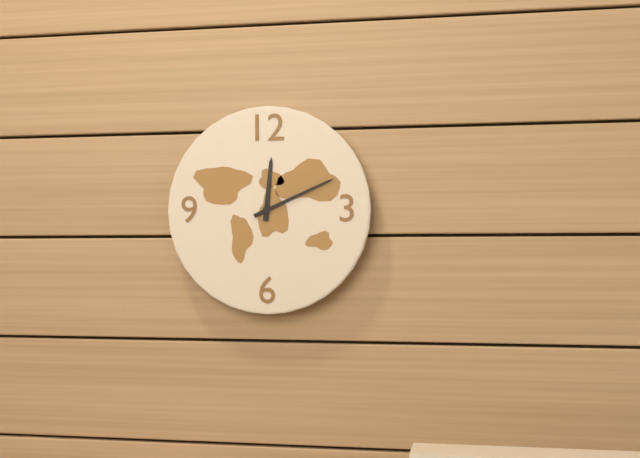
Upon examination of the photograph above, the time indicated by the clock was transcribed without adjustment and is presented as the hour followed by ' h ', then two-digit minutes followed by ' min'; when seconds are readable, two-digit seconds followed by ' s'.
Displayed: 12 h 11 min
